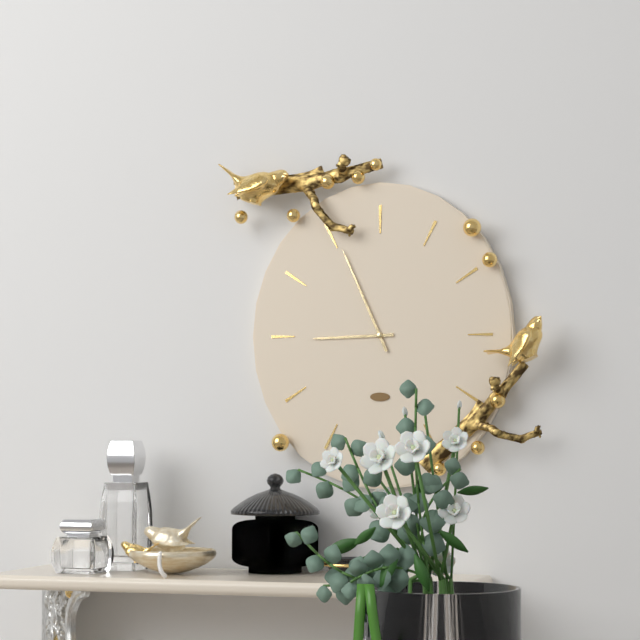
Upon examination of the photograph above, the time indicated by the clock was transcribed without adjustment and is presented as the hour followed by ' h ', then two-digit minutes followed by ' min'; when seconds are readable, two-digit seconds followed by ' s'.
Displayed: 8 h 56 min
